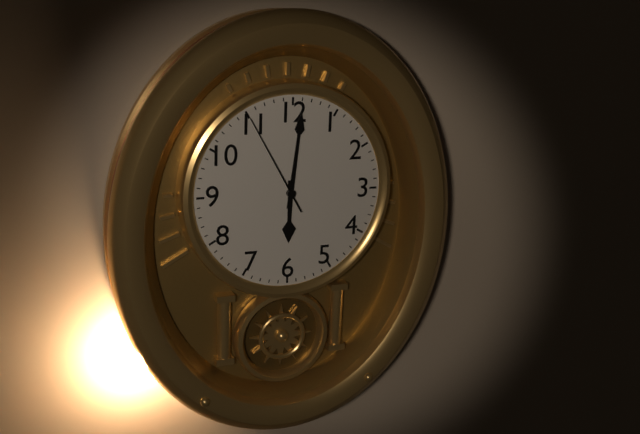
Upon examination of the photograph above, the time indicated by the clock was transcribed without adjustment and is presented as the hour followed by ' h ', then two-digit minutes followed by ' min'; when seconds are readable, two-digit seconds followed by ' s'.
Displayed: 6 h 01 min 55 s
